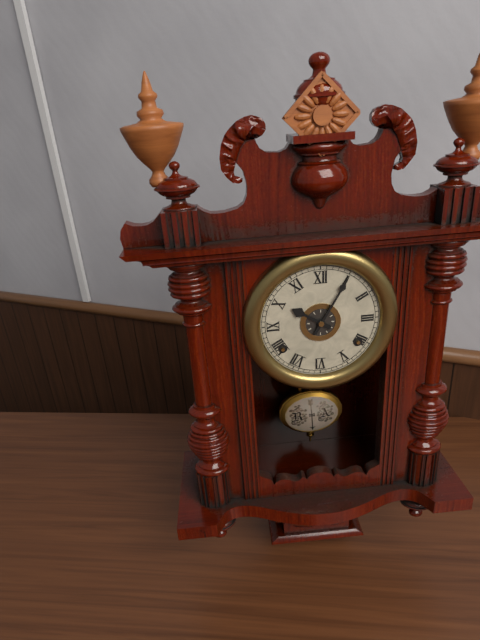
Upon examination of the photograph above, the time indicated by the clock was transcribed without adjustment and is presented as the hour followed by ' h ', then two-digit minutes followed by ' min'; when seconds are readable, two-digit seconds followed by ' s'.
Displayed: 10 h 05 min
